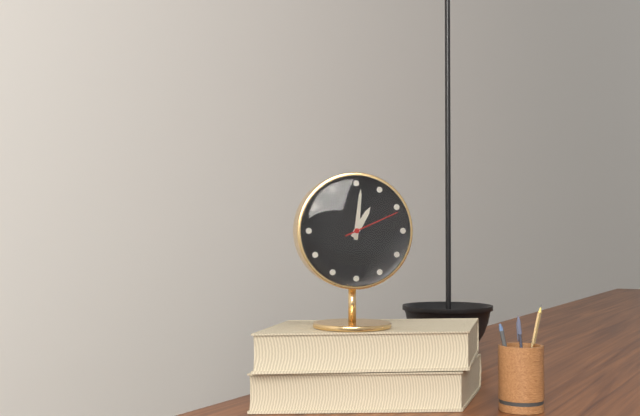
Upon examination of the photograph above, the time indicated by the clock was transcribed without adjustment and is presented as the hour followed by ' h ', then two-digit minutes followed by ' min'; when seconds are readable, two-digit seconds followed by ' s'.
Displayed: 1 h 01 min 11 s
